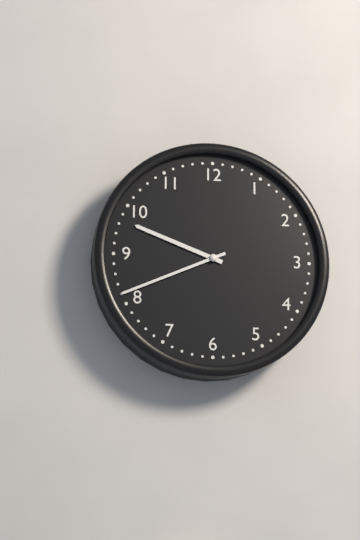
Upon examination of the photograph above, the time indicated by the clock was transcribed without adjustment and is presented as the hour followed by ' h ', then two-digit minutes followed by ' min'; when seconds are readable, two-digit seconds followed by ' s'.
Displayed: 9 h 41 min
